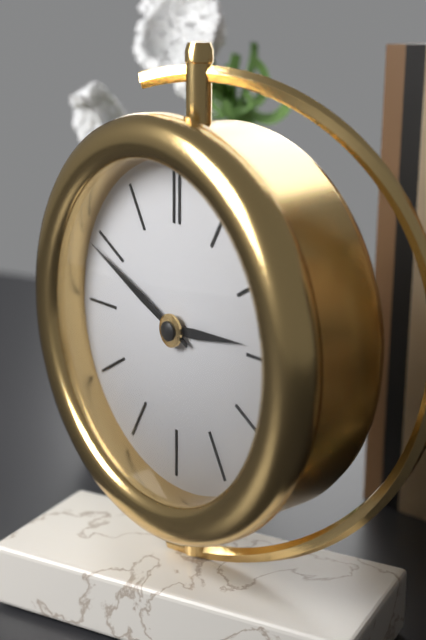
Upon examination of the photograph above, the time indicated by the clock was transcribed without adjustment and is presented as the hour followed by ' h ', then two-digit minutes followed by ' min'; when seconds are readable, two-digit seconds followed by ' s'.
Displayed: 2 h 49 min
